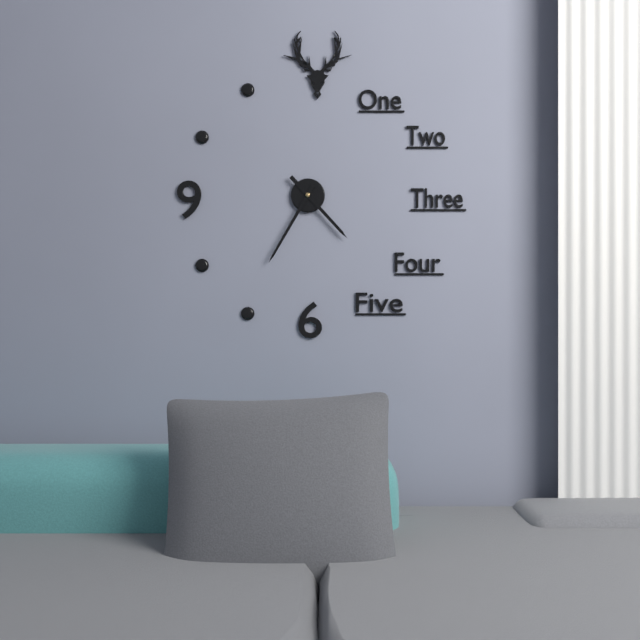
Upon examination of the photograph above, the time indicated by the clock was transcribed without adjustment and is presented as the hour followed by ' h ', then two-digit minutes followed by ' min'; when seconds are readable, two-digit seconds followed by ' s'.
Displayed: 4 h 35 min
